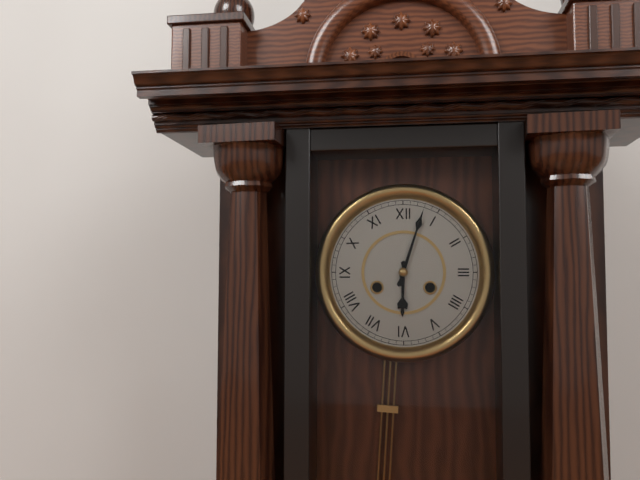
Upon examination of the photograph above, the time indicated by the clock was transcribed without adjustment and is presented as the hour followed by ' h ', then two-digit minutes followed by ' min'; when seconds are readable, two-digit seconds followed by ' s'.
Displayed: 6 h 03 min
